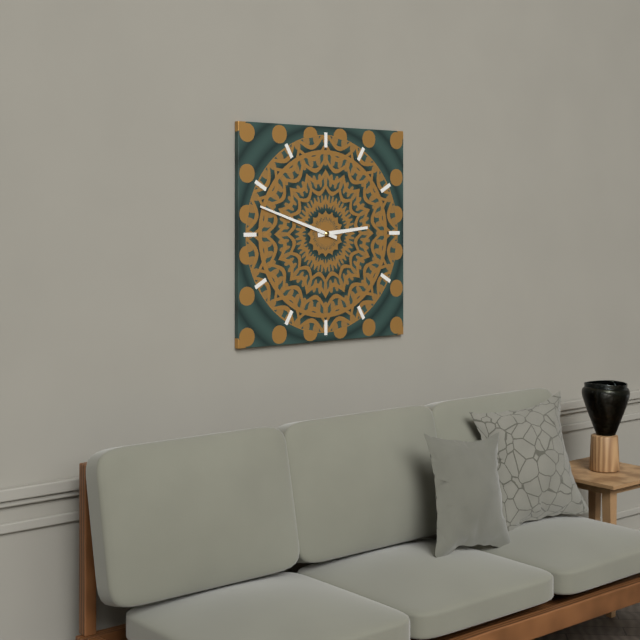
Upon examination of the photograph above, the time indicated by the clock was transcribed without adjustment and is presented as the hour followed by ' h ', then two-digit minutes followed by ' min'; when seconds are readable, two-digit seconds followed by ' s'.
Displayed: 2 h 48 min
